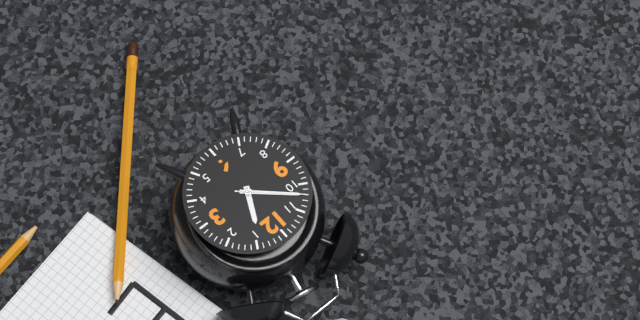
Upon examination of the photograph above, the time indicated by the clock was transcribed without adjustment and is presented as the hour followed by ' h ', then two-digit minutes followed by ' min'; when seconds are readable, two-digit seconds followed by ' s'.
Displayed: 12 h 52 min 52 s
